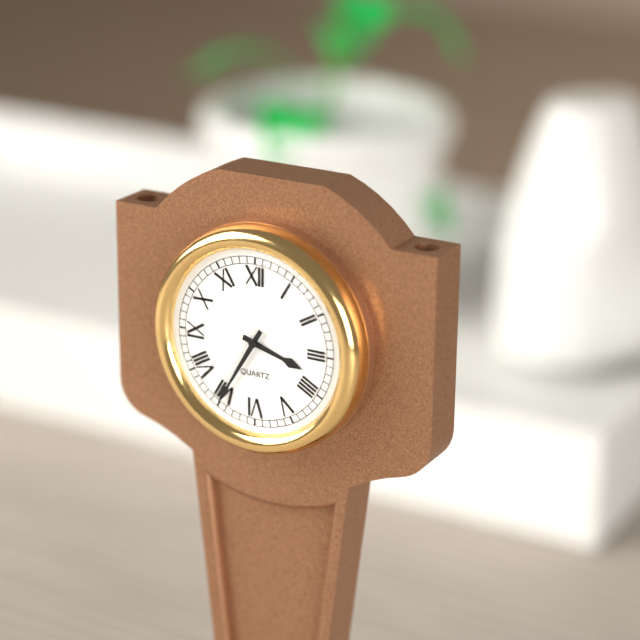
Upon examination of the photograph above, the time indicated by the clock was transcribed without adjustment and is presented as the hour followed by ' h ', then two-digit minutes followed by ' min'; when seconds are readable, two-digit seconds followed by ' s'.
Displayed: 3 h 35 min
